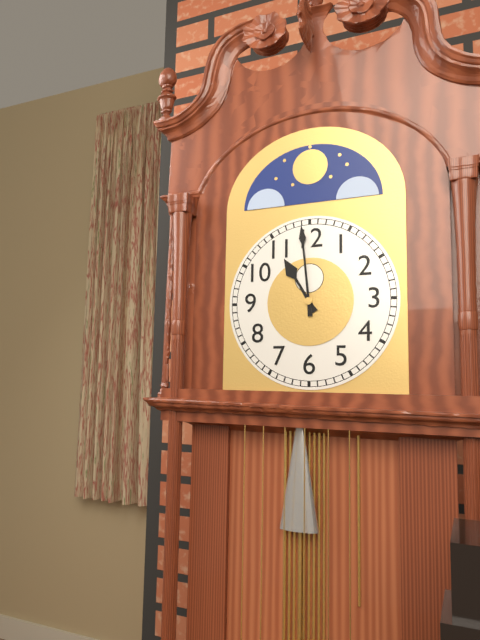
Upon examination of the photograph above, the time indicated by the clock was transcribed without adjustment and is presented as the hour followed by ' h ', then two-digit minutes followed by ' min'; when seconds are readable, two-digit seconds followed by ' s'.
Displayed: 10 h 59 min
